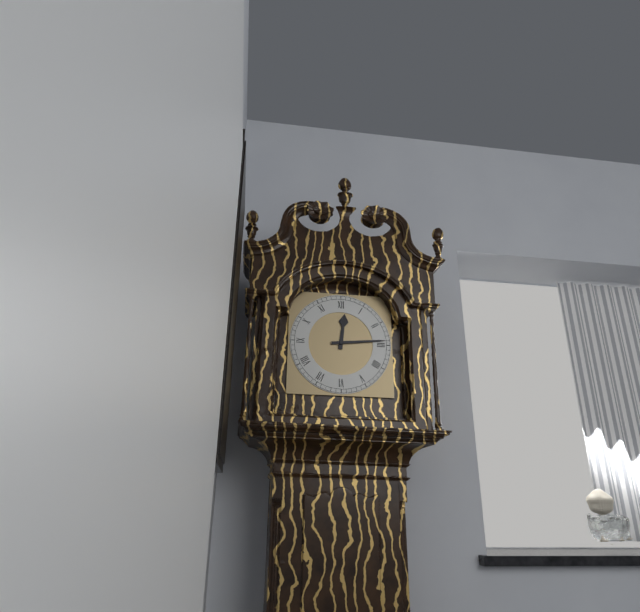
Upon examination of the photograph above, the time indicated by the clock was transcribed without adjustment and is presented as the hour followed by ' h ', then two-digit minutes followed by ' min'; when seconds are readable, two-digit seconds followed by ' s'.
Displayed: 12 h 14 min
